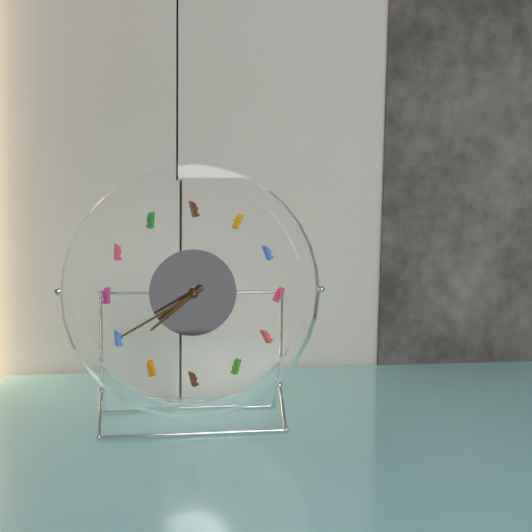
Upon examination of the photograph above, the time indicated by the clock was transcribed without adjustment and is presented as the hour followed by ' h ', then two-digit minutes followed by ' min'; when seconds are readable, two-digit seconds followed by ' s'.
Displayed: 7 h 40 min
